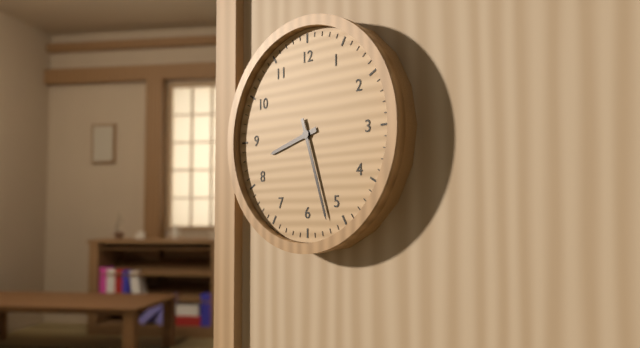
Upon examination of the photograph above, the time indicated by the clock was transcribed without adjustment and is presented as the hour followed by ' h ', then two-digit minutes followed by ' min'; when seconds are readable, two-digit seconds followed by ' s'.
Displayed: 8 h 27 min
